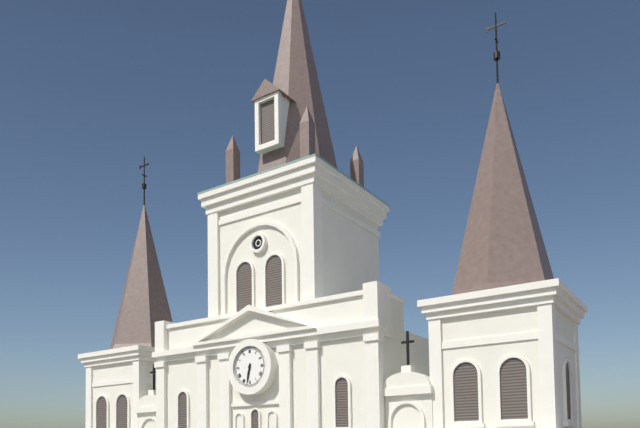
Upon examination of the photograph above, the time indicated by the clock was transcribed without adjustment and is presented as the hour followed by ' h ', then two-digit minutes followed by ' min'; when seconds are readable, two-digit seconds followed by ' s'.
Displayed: 6 h 32 min
